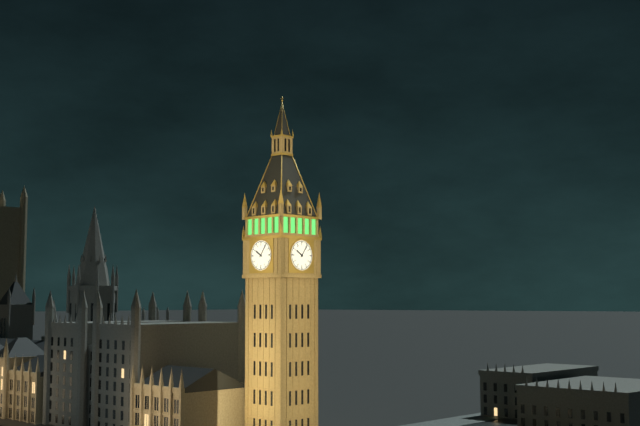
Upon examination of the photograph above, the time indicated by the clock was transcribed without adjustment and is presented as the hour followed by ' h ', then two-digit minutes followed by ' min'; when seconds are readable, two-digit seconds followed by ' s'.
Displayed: 10 h 06 min
